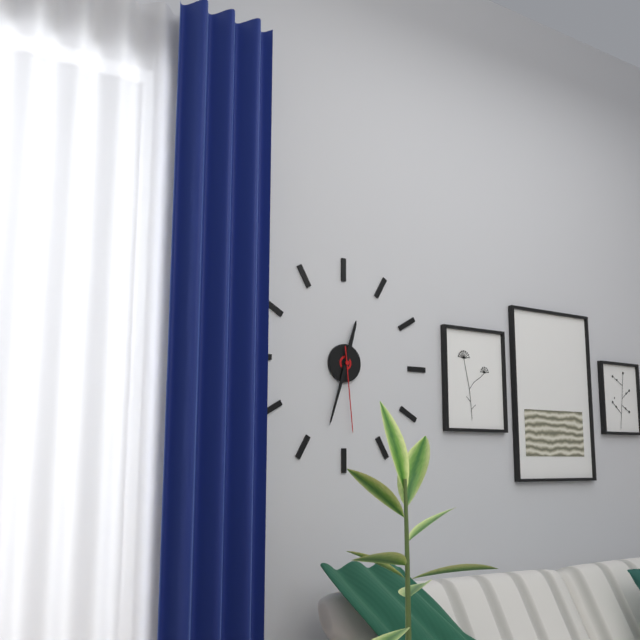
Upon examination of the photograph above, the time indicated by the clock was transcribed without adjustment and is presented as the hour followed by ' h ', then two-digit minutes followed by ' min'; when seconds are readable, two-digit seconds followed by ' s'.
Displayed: 12 h 33 min 29 s
